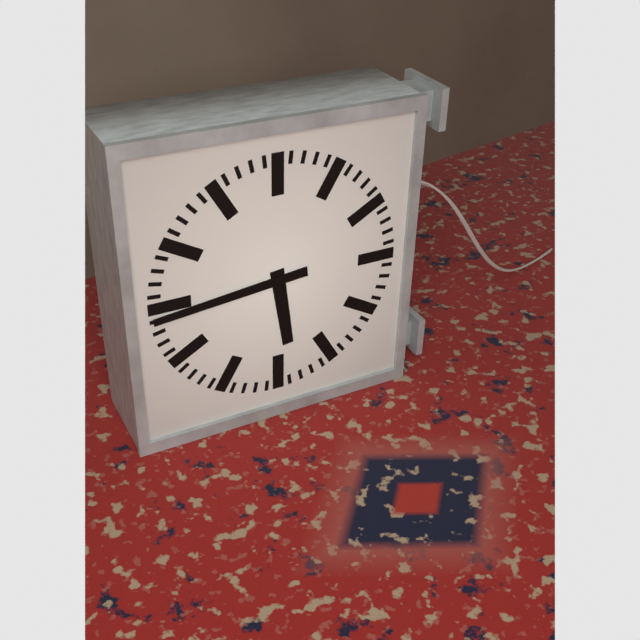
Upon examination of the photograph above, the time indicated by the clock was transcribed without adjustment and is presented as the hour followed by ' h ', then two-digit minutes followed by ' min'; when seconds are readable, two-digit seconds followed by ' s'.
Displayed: 5 h 44 min
